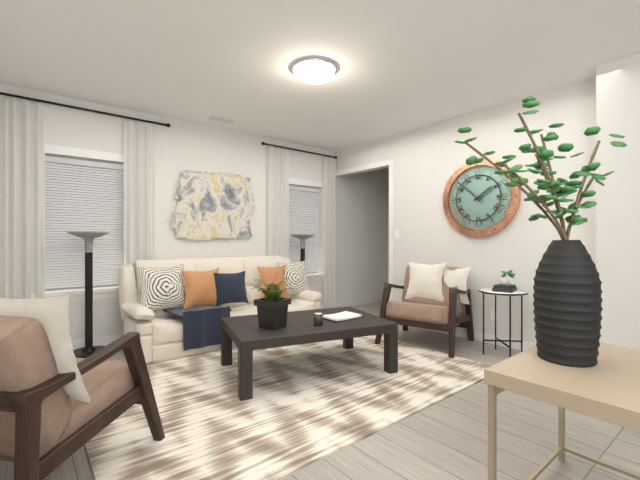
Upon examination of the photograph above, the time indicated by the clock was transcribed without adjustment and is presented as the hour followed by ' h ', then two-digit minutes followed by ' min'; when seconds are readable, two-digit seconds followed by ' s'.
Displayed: 1 h 52 min
